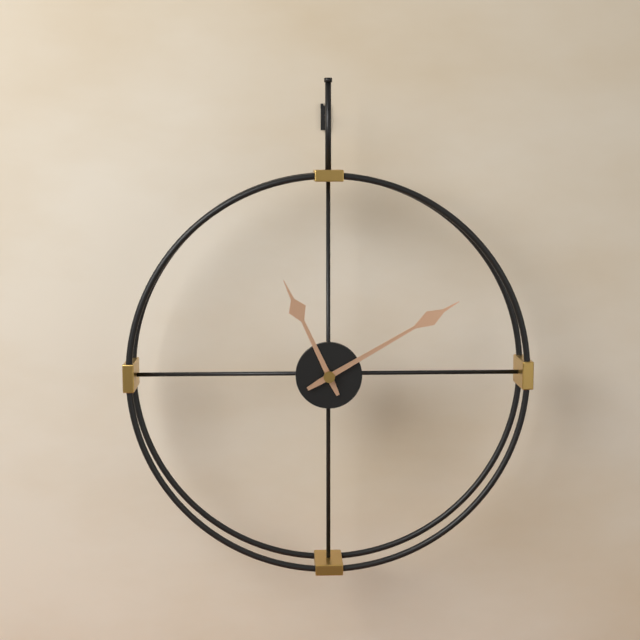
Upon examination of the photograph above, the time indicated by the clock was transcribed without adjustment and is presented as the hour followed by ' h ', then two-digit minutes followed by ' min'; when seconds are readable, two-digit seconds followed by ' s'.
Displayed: 11 h 10 min
